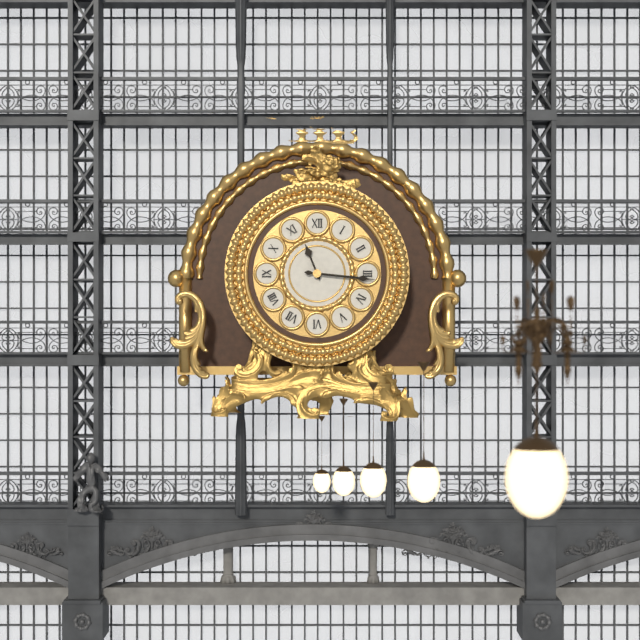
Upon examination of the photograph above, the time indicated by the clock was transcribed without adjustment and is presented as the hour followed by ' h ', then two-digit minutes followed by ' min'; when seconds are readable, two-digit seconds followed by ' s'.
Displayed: 11 h 16 min
